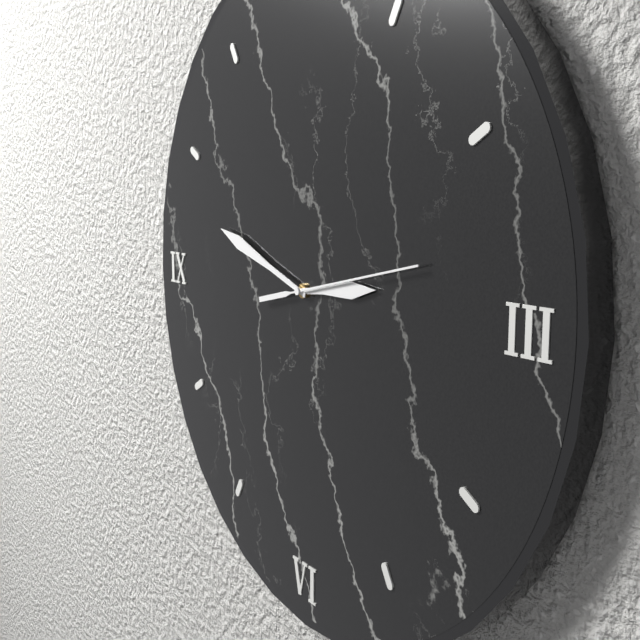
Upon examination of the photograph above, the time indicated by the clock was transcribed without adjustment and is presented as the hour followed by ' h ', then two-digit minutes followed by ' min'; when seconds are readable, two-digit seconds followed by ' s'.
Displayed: 2 h 48 min 13 s
